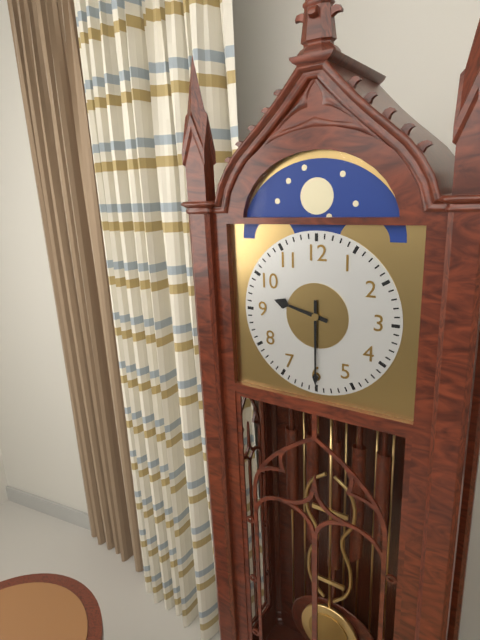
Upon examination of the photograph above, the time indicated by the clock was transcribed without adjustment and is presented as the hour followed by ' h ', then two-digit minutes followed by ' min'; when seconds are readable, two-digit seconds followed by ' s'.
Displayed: 9 h 30 min
